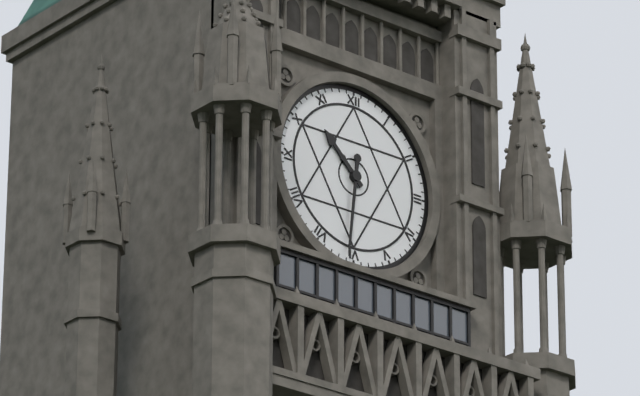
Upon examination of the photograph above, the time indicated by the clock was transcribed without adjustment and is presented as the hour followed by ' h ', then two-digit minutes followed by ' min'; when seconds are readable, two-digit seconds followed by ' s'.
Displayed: 10 h 31 min
